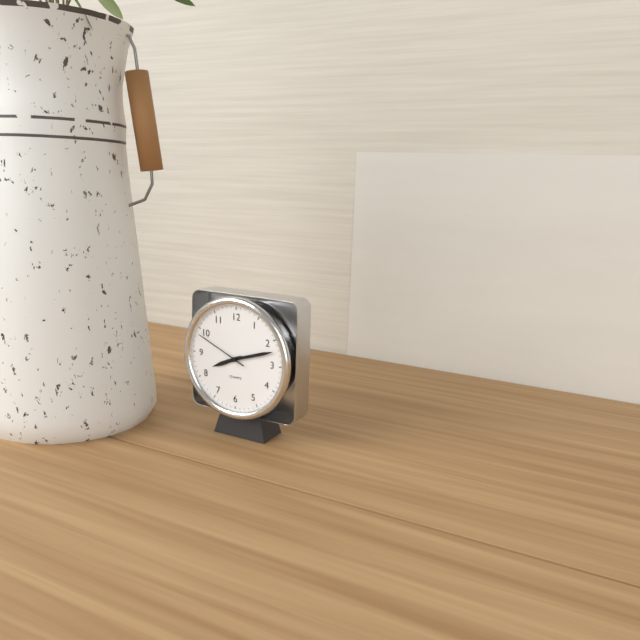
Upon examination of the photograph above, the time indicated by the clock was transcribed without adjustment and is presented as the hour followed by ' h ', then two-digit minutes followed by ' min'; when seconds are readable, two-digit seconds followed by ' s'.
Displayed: 8 h 12 min 49 s
